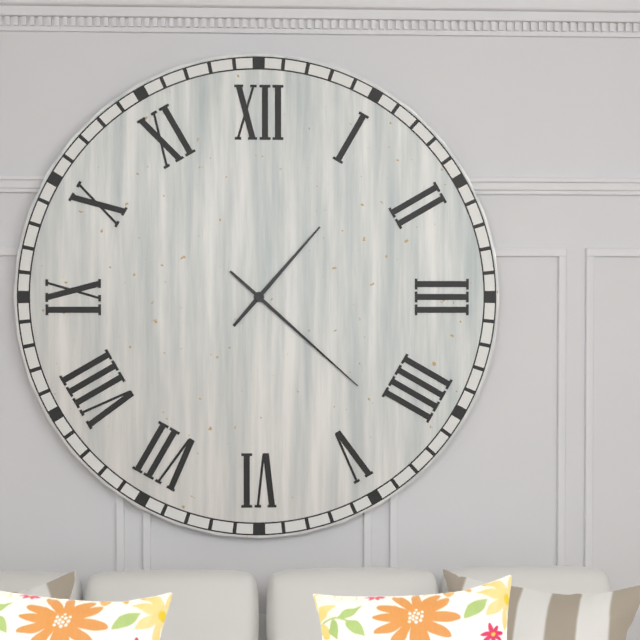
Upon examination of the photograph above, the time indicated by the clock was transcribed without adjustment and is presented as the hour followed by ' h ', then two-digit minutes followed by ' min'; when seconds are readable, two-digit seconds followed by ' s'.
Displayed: 1 h 22 min
